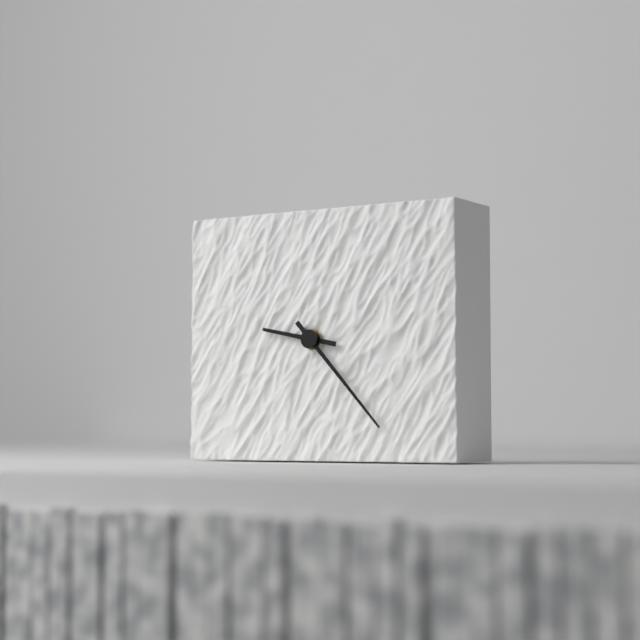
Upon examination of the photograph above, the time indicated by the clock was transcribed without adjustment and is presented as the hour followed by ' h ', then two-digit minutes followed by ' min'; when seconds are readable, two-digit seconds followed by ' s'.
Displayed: 9 h 23 min
